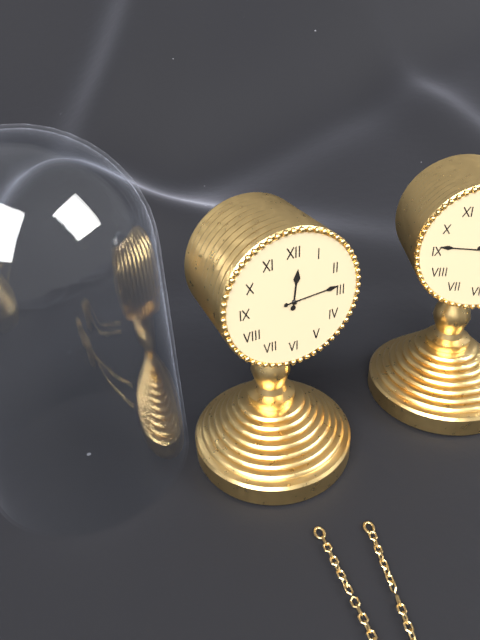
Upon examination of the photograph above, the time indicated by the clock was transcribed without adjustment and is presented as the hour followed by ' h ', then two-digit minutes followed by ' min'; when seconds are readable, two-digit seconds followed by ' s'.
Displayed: 12 h 14 min
